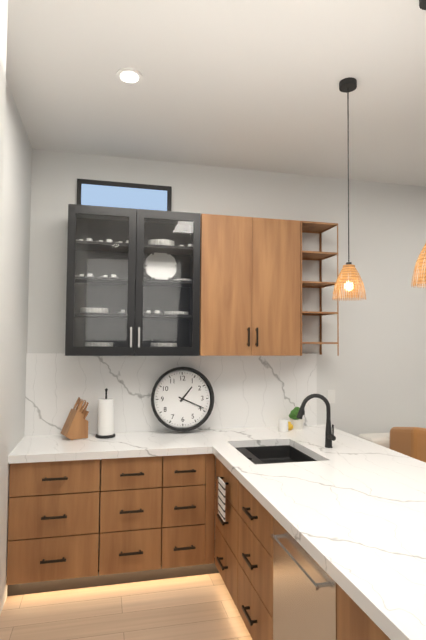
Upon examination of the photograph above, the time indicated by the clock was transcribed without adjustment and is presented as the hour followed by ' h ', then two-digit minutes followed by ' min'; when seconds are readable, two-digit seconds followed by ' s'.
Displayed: 1 h 19 min
